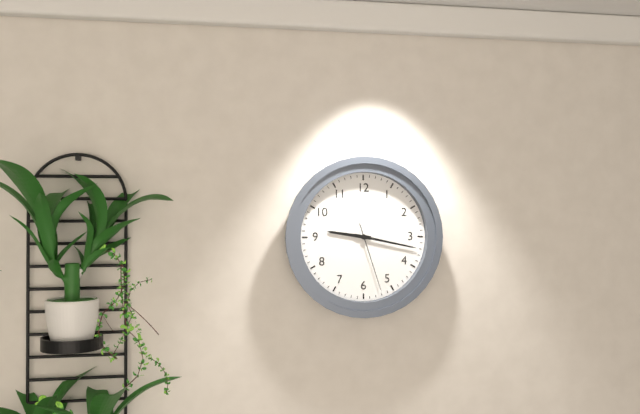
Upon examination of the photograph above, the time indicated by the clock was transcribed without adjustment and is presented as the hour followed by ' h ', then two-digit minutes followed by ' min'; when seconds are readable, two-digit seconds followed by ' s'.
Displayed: 9 h 17 min 27 s
